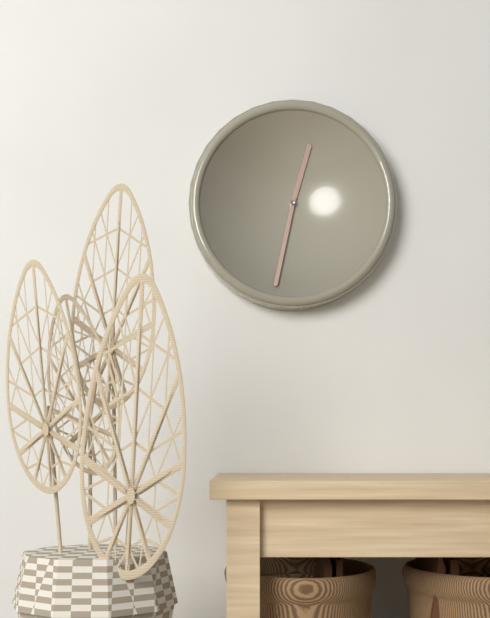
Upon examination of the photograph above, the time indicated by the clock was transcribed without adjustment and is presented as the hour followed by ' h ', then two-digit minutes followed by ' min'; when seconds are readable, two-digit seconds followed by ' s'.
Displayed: 12 h 32 min
